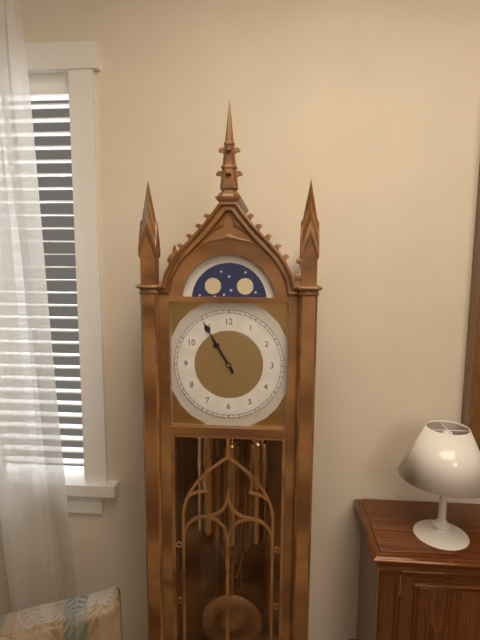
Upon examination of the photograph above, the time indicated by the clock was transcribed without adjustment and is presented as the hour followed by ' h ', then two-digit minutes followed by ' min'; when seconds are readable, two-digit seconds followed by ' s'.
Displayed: 10 h 55 min
